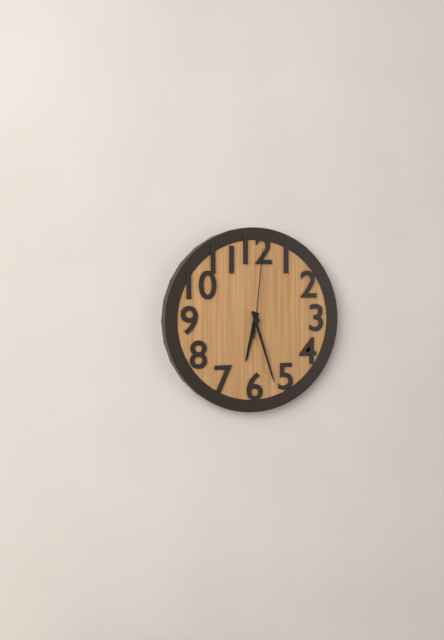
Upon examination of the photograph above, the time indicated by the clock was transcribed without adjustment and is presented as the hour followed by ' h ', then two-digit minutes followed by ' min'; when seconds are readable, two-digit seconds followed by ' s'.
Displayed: 6 h 27 min 01 s
